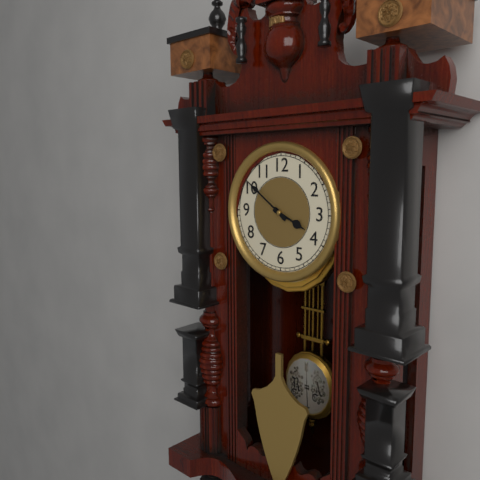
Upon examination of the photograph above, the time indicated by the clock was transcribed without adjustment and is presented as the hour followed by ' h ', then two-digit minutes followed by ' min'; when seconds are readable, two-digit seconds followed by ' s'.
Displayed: 3 h 51 min
